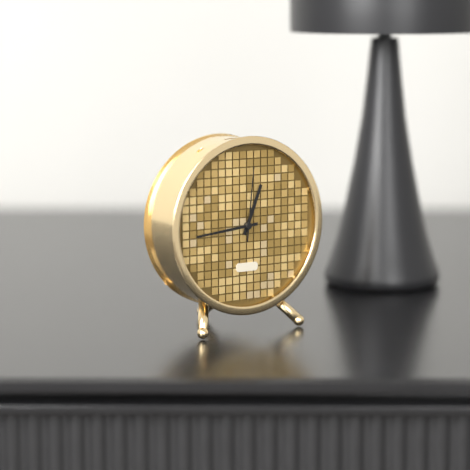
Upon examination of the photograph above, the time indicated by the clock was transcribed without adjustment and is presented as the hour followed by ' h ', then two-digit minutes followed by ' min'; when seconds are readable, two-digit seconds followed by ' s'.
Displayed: 12 h 44 min 01 s
